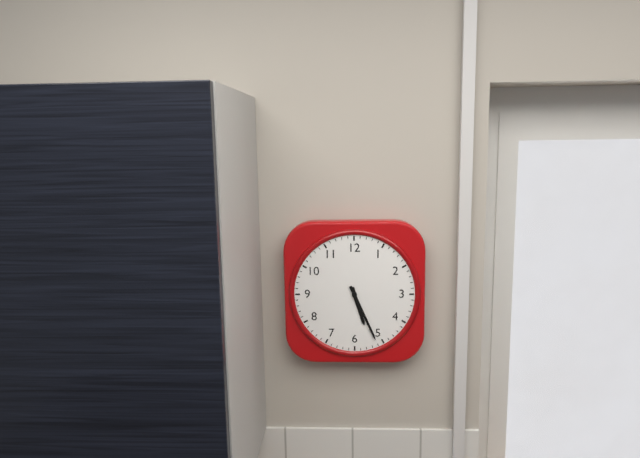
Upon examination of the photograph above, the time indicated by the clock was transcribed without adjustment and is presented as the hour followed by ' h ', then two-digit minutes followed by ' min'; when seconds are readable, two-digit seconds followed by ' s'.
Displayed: 5 h 26 min
